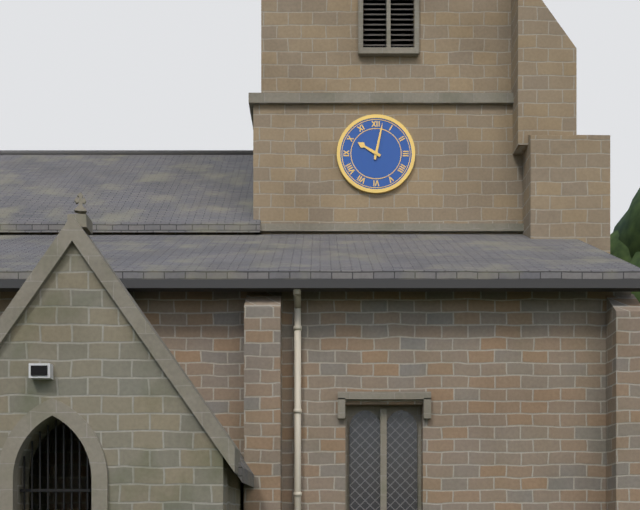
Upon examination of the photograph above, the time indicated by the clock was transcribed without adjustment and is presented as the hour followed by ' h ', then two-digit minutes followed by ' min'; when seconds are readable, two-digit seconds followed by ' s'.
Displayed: 10 h 02 min
